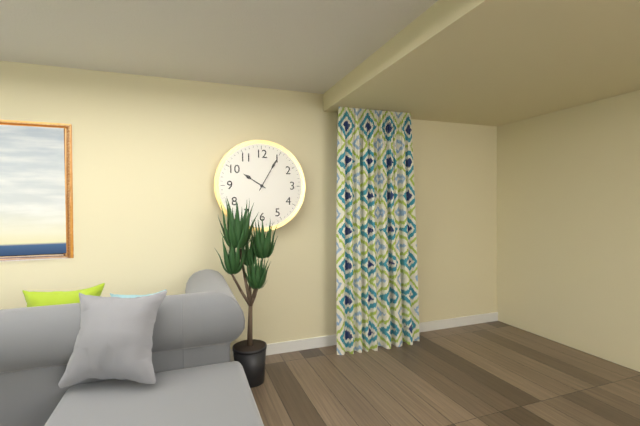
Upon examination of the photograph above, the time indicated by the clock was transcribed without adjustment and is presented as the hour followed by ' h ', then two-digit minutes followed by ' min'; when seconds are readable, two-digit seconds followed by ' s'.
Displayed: 10 h 05 min
